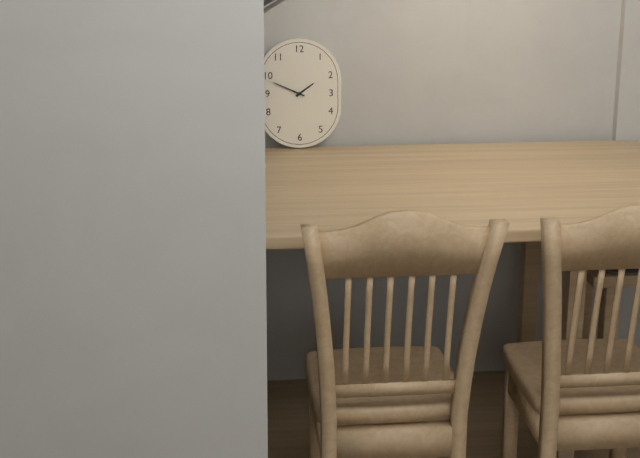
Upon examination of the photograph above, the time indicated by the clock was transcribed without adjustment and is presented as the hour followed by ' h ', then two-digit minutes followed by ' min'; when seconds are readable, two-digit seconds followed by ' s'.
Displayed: 1 h 49 min
